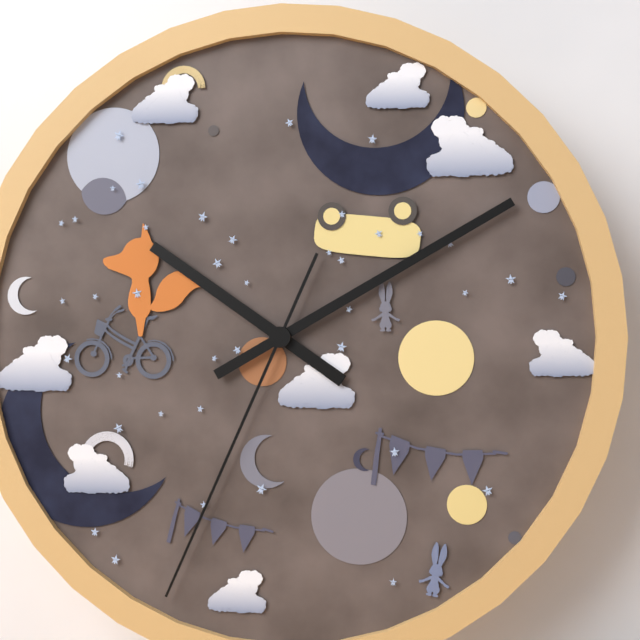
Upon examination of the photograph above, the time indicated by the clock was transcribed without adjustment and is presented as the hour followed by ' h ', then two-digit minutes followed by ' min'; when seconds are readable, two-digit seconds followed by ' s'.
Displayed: 10 h 10 min 34 s
